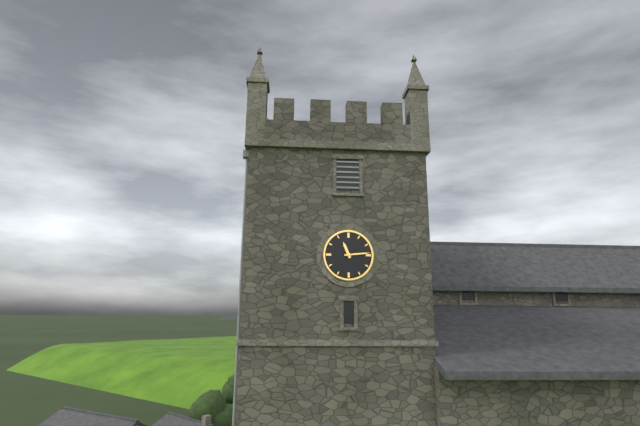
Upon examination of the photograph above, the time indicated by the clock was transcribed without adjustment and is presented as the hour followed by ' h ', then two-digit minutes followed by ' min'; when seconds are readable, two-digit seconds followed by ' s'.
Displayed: 11 h 14 min
